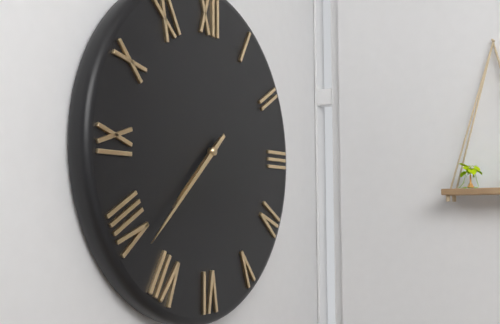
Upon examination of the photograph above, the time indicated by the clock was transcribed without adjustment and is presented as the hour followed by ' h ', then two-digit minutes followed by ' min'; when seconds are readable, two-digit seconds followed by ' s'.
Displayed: 7 h 38 min
